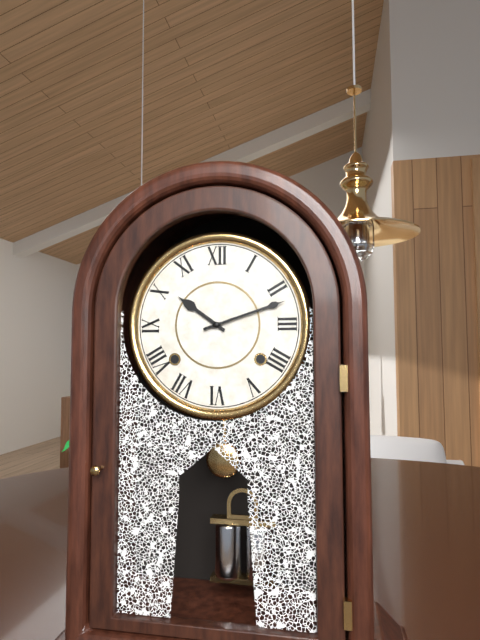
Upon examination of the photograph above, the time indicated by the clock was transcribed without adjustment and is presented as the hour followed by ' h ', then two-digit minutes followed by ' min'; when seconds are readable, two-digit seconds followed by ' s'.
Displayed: 10 h 12 min
